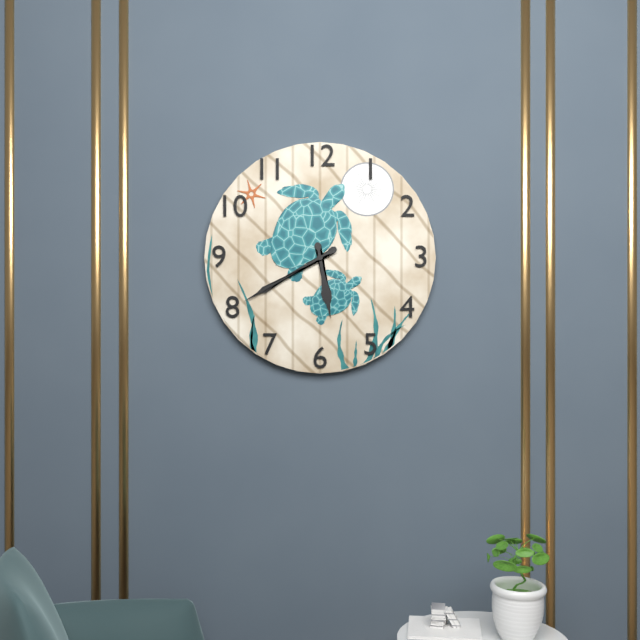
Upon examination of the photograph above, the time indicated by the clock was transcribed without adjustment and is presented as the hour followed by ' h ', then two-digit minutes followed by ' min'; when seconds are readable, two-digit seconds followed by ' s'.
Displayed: 5 h 40 min
